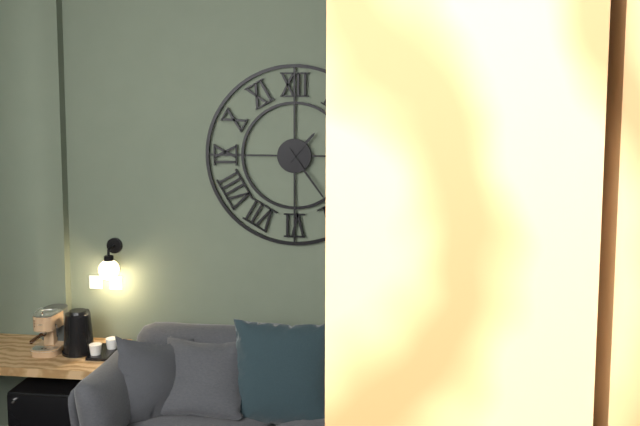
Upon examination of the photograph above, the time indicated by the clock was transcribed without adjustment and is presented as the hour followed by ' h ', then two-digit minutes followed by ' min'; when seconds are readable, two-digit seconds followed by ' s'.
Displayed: 1 h 24 min
